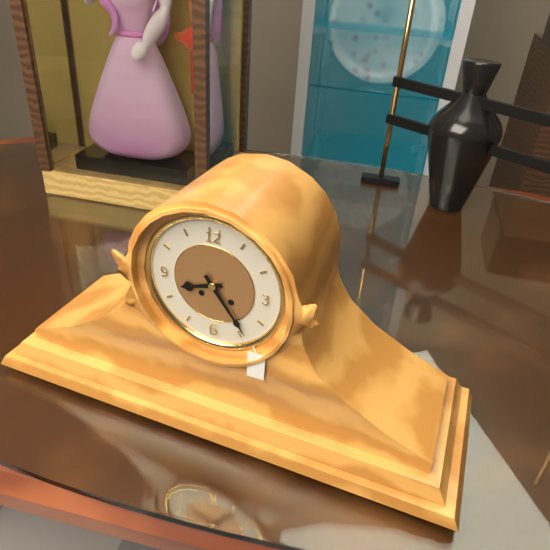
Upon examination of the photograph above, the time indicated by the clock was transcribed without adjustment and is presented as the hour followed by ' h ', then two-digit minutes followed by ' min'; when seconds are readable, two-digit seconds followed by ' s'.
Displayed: 8 h 24 min
